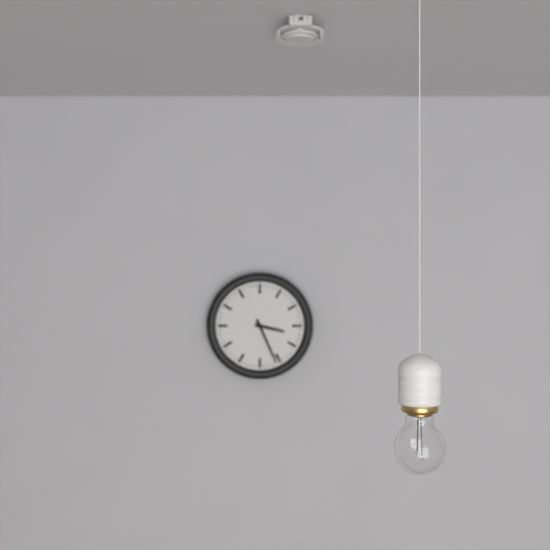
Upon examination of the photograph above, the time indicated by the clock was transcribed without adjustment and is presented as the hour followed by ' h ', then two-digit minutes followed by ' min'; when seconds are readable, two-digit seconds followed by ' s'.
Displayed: 3 h 26 min
